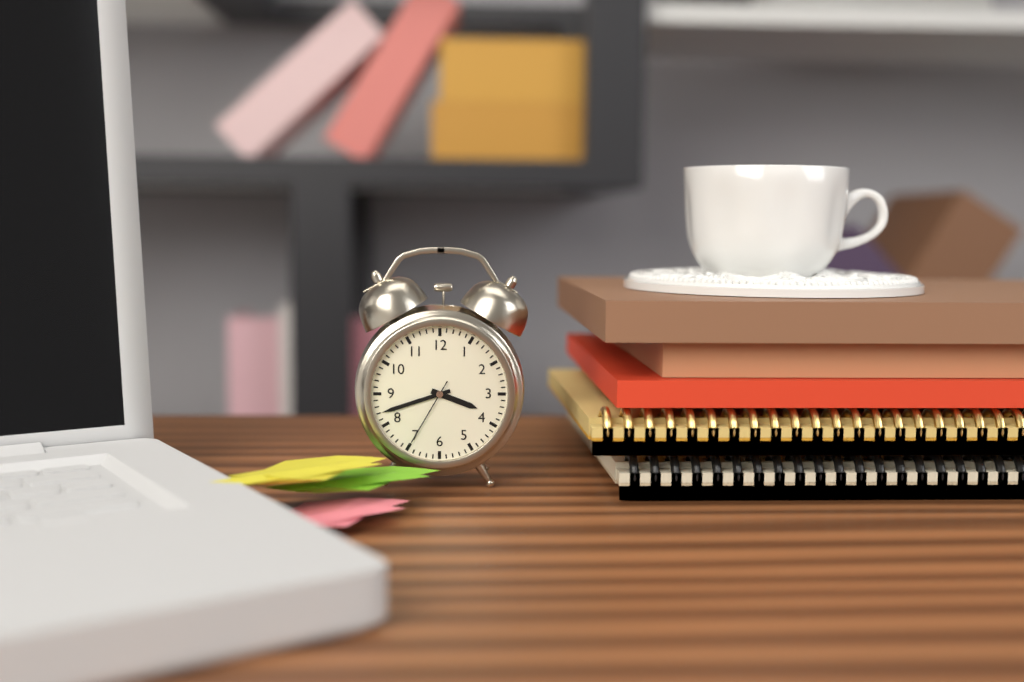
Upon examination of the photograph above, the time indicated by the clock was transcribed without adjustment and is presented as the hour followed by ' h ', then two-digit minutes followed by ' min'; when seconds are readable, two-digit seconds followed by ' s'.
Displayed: 3 h 42 min 35 s
